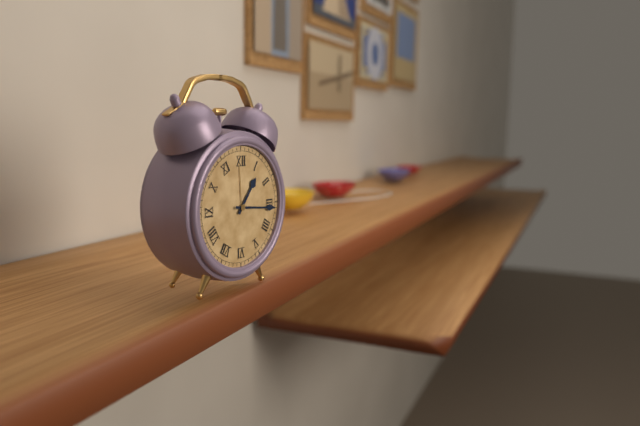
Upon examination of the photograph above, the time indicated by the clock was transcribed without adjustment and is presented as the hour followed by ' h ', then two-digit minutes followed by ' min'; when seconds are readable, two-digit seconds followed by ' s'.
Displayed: 1 h 16 min
